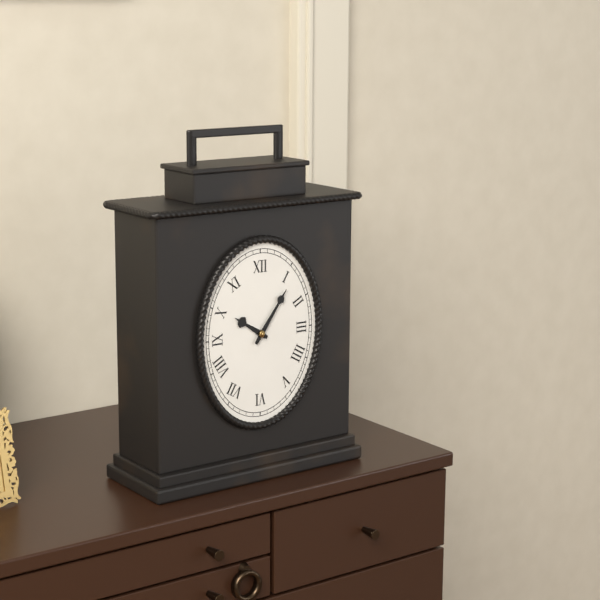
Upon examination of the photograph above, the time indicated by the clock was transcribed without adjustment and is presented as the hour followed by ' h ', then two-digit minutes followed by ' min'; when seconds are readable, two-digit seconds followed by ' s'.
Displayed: 10 h 06 min
